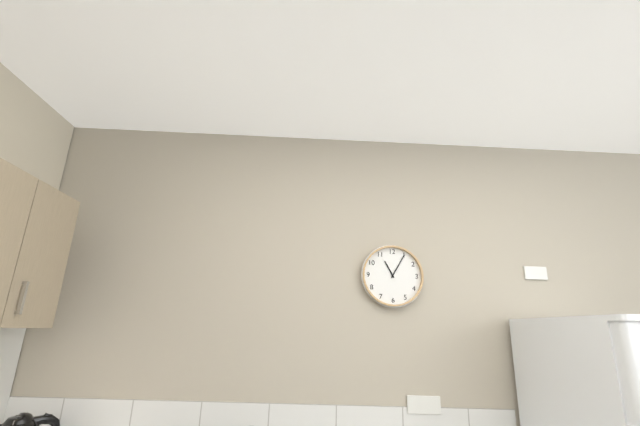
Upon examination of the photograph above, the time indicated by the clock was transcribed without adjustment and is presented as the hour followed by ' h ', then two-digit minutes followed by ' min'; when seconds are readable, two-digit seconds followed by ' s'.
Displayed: 11 h 05 min
